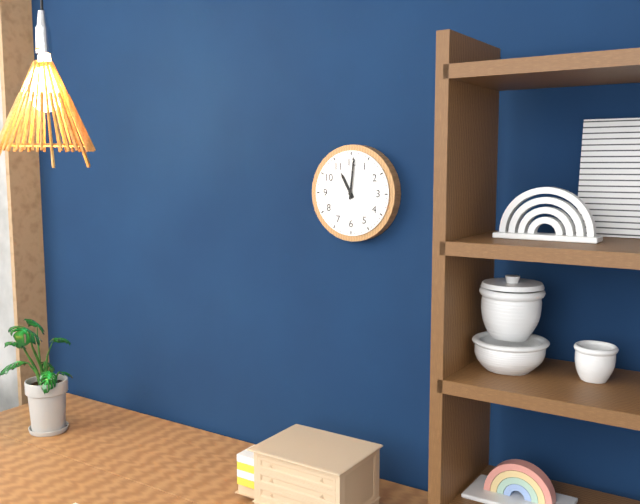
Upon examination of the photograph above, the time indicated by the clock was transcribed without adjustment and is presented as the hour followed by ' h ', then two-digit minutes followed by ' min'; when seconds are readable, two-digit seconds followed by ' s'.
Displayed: 11 h 01 min
